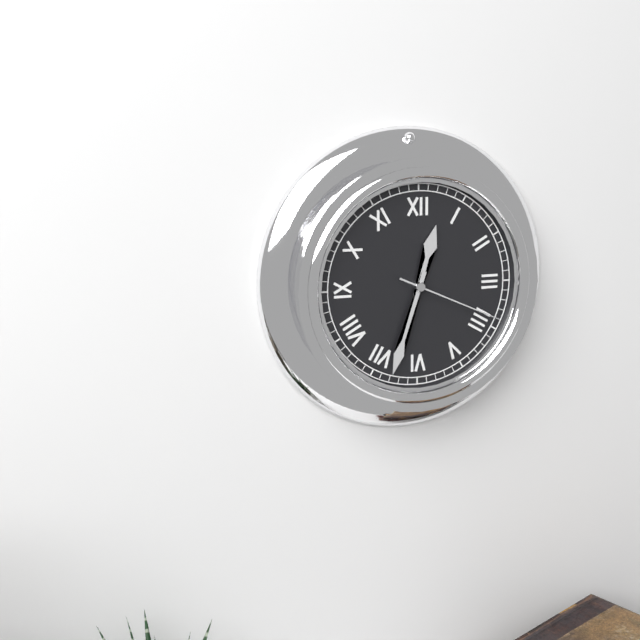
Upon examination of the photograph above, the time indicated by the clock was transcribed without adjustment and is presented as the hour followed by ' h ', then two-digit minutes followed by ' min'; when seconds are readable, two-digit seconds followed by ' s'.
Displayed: 12 h 33 min 19 s
